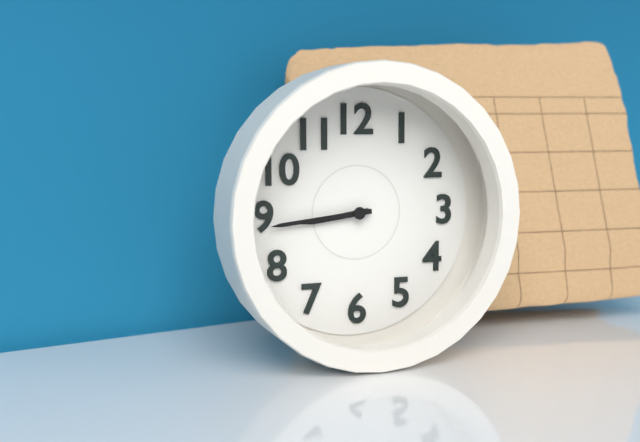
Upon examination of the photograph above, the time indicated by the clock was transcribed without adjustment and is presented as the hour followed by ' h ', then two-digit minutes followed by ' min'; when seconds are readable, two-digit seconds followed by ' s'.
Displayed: 8 h 44 min
